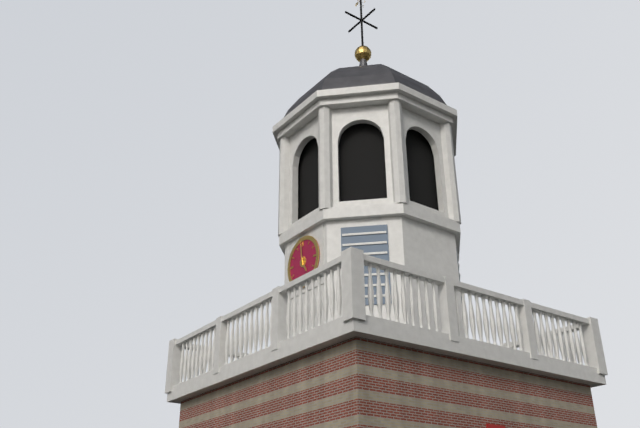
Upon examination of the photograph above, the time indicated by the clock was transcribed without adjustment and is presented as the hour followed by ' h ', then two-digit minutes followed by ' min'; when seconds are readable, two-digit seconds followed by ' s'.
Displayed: 4 h 59 min
